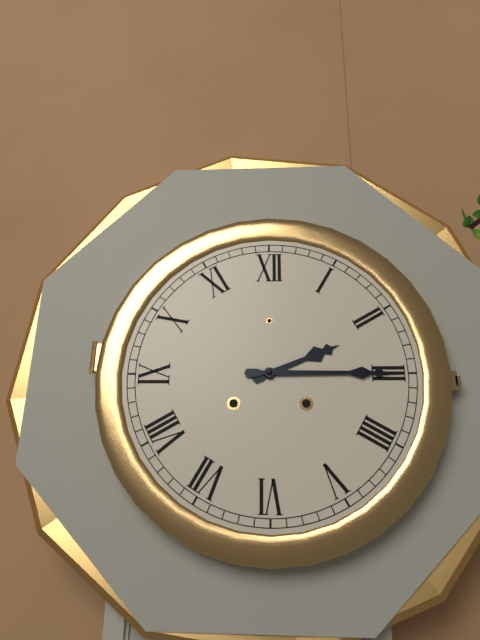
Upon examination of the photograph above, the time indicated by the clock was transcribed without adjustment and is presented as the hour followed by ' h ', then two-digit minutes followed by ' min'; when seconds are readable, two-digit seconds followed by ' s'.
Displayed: 2 h 15 min
